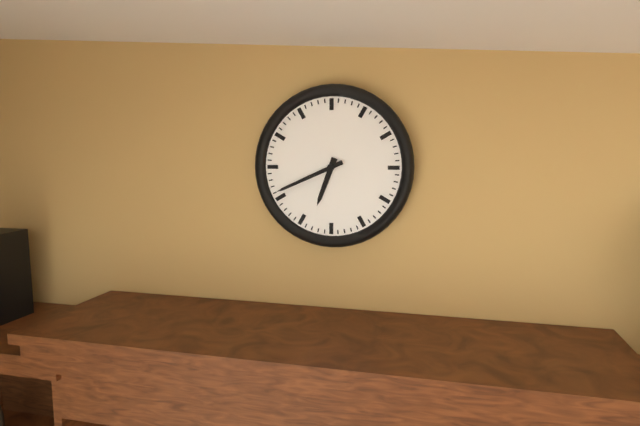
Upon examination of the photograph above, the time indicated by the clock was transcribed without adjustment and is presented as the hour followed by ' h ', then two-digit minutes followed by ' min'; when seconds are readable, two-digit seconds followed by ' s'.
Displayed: 6 h 41 min
